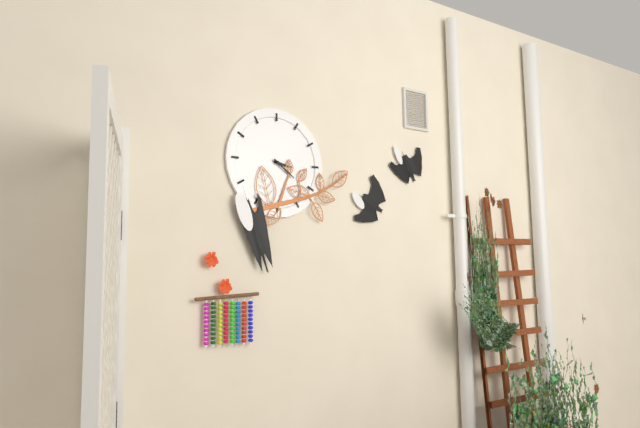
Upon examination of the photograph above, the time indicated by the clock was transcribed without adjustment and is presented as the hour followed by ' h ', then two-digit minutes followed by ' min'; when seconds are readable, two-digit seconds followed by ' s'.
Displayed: 3 h 21 min
